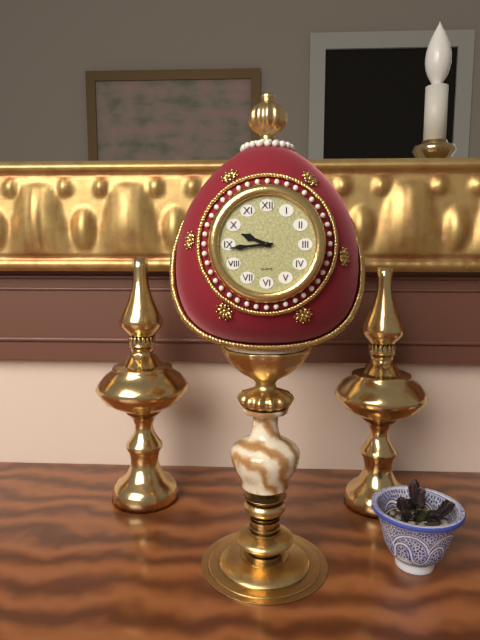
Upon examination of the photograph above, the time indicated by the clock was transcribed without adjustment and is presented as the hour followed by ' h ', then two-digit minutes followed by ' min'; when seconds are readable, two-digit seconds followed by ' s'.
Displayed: 9 h 44 min
